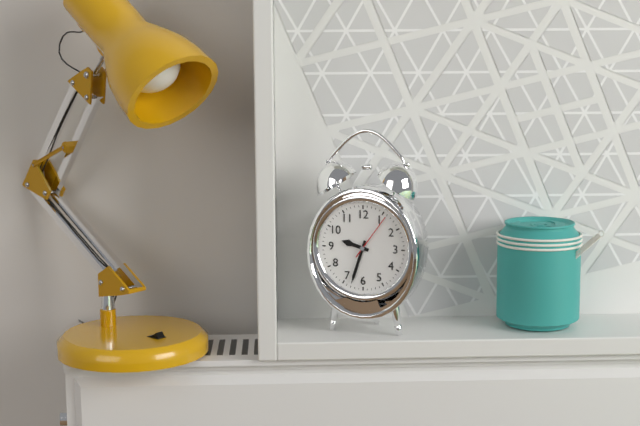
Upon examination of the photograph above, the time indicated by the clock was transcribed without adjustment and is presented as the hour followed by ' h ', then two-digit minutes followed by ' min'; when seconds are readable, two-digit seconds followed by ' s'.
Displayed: 9 h 33 min
